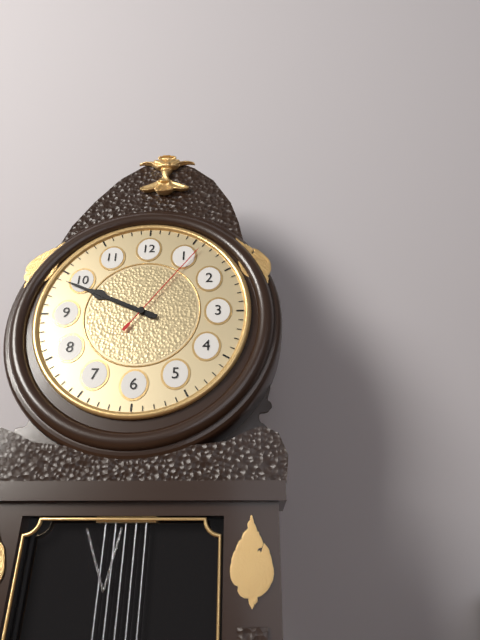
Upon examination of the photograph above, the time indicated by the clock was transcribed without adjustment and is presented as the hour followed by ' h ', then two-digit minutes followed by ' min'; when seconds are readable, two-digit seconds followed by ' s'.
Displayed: 9 h 49 min 06 s
